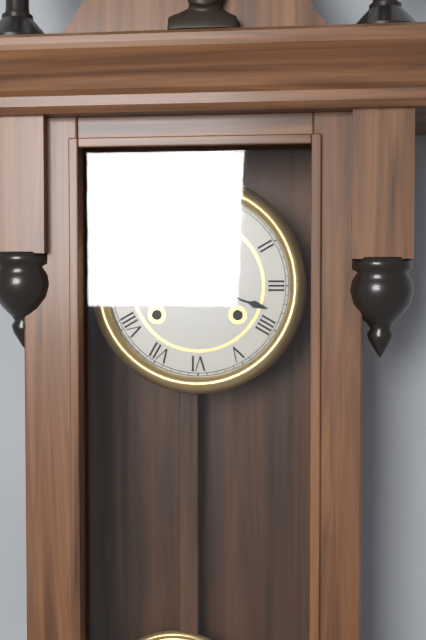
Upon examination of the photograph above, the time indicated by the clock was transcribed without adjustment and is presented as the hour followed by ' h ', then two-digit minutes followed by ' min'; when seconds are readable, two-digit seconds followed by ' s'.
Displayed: 11 h 18 min
